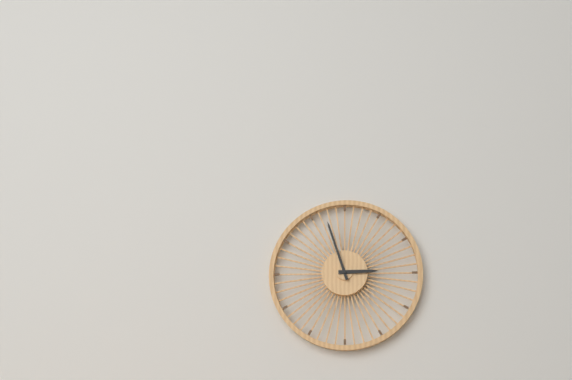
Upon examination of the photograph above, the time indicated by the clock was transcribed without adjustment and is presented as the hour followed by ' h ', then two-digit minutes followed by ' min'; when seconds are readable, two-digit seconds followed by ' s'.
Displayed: 2 h 57 min
